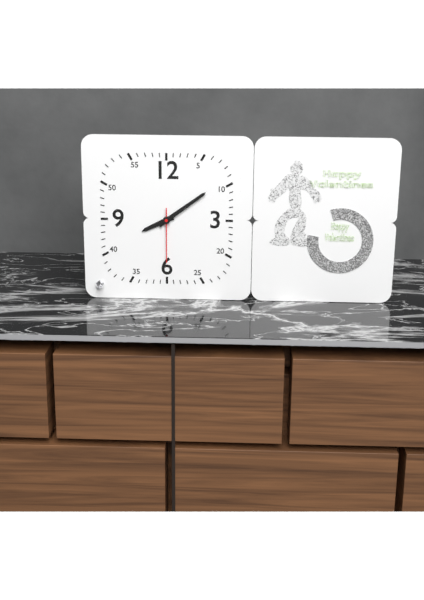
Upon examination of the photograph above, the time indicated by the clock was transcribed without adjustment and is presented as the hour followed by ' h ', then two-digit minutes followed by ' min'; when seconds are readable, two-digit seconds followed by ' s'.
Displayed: 8 h 09 min 30 s
